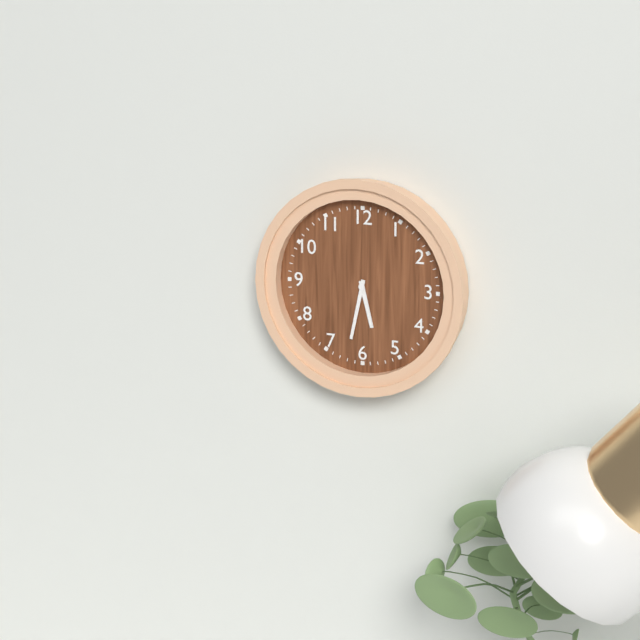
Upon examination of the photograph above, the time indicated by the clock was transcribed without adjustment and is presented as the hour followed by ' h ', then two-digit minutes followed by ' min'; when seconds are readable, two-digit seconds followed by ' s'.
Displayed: 5 h 32 min
